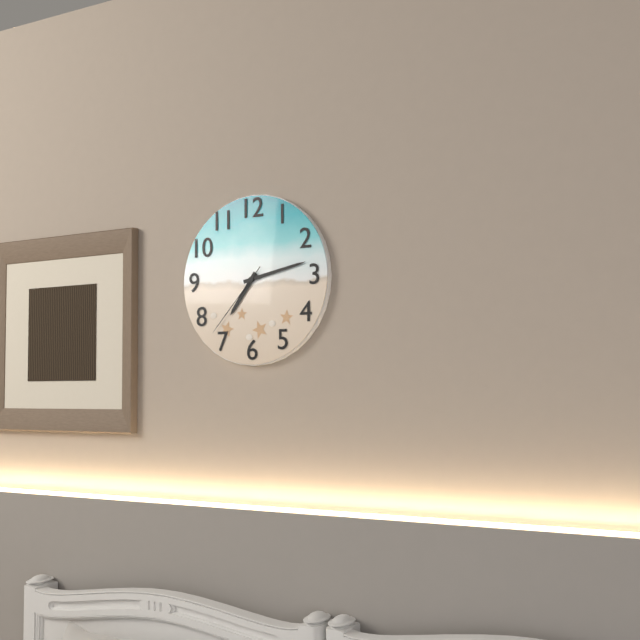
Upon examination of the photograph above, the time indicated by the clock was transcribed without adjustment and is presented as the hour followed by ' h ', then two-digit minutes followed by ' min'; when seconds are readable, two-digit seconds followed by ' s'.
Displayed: 7 h 13 min 37 s
